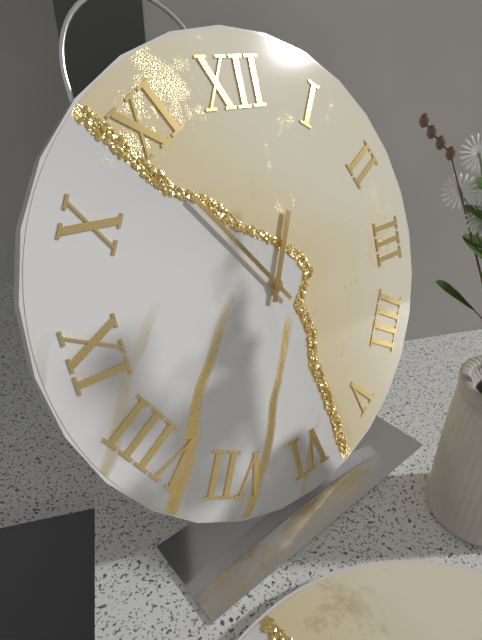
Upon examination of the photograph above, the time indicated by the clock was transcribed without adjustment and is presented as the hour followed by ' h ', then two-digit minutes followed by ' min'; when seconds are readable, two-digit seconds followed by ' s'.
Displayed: 12 h 54 min
